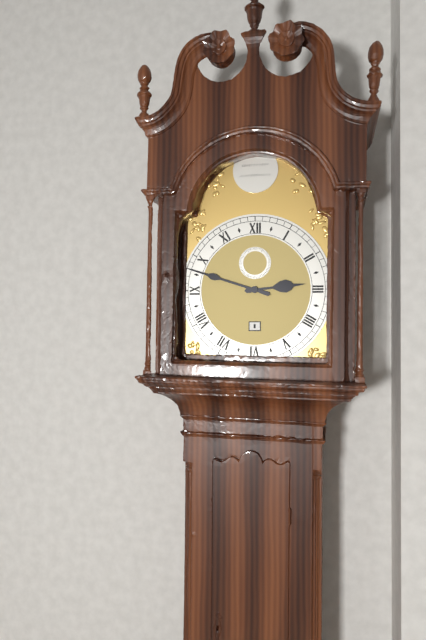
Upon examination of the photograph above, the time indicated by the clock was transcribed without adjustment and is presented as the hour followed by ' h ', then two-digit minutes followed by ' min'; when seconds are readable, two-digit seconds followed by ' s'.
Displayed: 2 h 48 min
